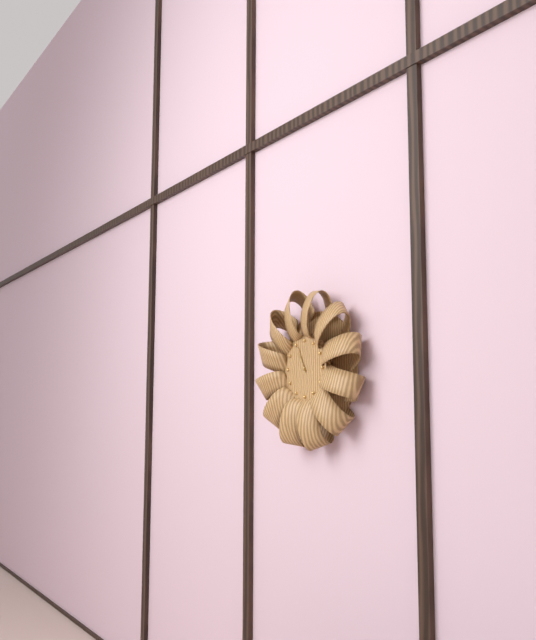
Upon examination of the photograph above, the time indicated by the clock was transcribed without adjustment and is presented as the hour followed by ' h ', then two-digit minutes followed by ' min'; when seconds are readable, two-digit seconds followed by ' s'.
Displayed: 10 h 56 min
